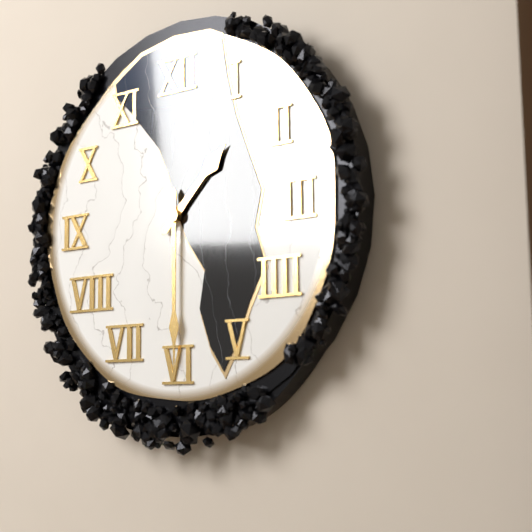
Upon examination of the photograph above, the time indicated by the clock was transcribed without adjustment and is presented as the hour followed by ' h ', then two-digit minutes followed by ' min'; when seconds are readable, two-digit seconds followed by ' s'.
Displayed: 1 h 30 min
